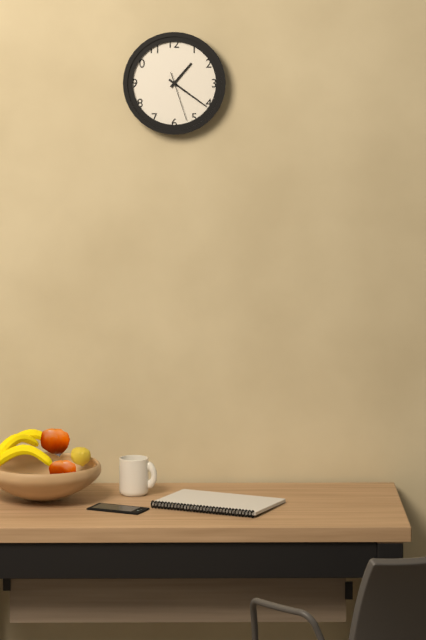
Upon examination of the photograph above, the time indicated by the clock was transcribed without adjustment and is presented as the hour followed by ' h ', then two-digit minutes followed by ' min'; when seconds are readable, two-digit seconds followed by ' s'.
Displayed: 1 h 21 min
